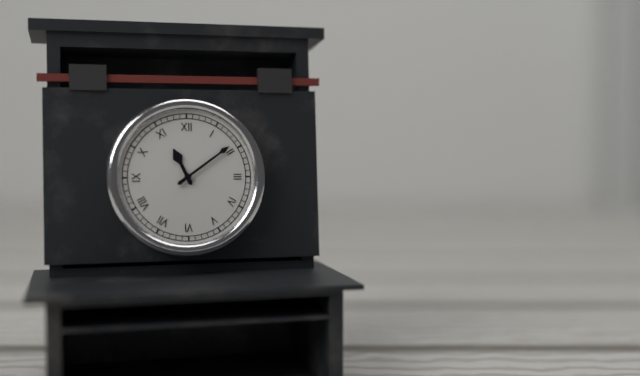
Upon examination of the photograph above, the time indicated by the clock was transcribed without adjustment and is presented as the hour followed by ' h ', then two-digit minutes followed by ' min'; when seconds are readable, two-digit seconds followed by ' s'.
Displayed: 11 h 09 min
